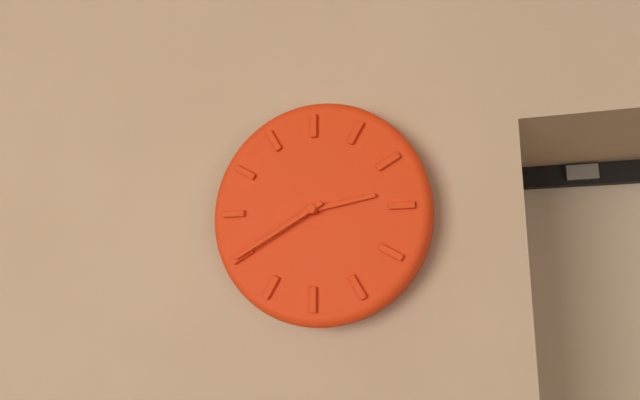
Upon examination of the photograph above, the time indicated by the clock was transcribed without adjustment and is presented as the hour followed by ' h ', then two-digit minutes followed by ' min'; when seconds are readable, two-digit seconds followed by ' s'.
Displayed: 2 h 40 min
